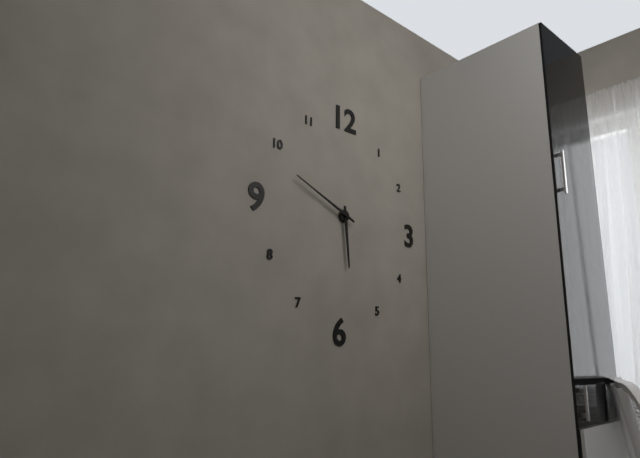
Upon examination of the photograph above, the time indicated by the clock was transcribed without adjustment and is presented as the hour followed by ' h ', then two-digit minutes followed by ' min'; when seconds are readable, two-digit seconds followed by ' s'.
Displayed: 5 h 49 min
